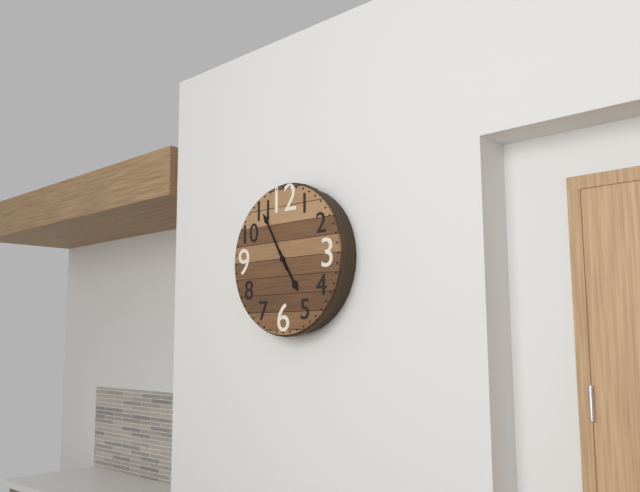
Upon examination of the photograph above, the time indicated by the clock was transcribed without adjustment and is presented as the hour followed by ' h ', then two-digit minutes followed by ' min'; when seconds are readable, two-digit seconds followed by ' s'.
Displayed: 4 h 55 min
